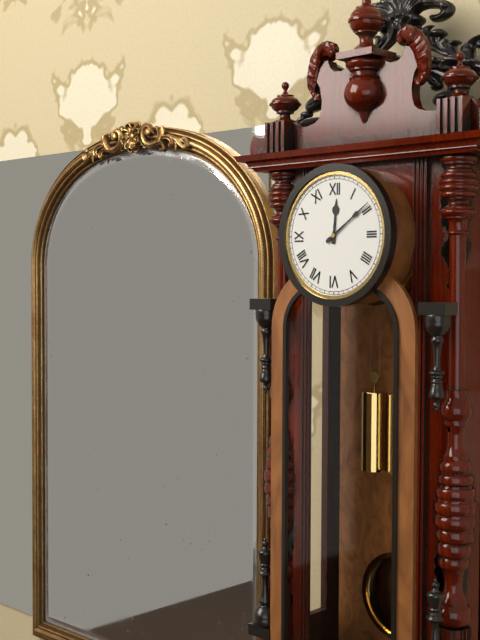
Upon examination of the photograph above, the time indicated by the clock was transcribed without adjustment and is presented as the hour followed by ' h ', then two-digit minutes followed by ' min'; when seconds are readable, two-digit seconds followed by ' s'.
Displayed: 12 h 09 min
